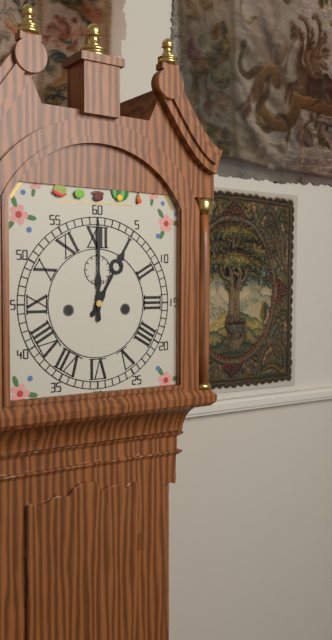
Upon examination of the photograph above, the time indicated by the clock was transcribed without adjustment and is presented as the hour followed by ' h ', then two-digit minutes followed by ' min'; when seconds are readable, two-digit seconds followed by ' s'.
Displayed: 1 h 00 min
